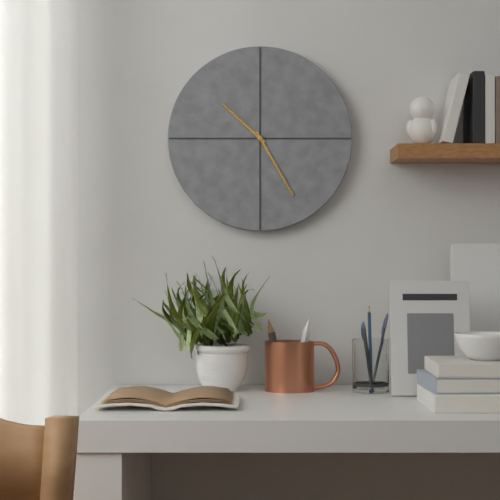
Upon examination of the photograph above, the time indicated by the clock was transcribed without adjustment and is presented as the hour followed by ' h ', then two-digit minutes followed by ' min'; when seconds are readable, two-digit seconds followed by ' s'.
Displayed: 10 h 25 min
